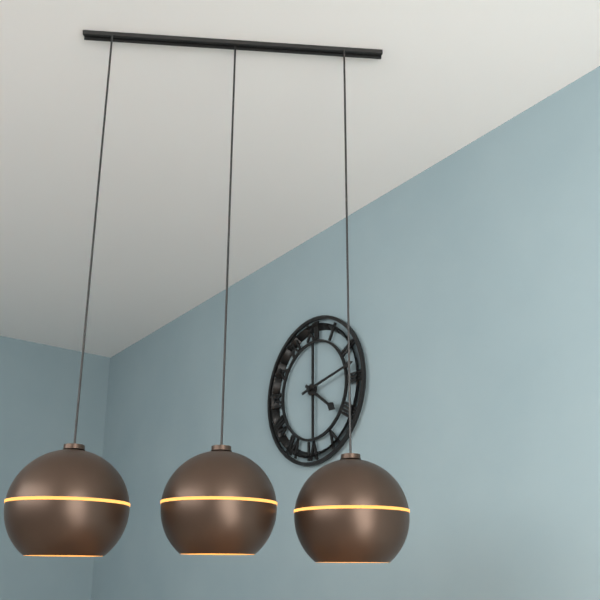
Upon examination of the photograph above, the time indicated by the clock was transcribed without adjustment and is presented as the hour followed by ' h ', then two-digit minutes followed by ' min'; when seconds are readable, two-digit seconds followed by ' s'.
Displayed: 4 h 13 min
